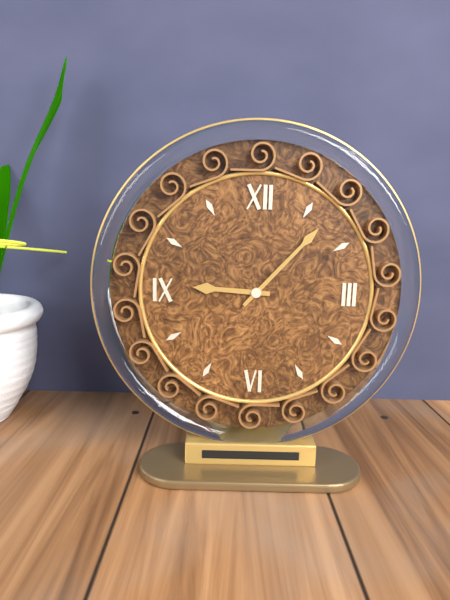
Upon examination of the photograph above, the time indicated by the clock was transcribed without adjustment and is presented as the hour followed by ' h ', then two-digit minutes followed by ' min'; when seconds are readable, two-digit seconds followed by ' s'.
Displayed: 9 h 07 min
